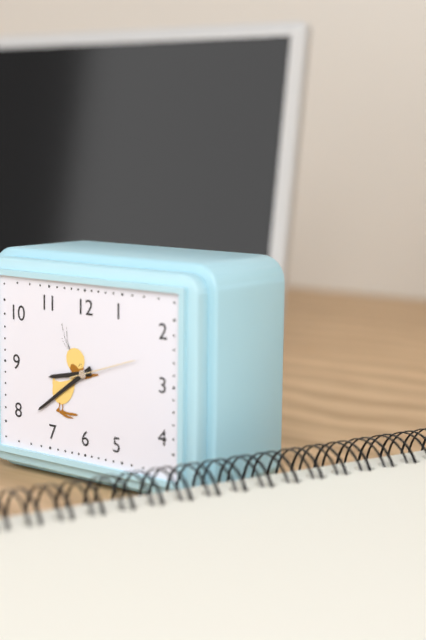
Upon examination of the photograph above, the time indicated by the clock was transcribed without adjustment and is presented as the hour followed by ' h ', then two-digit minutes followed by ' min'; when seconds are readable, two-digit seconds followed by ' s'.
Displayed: 8 h 39 min
